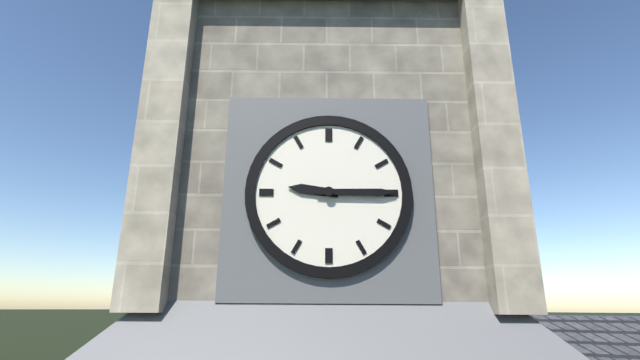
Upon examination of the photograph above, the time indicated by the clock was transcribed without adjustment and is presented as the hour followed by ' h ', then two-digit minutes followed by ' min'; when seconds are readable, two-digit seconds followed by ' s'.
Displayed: 9 h 15 min
